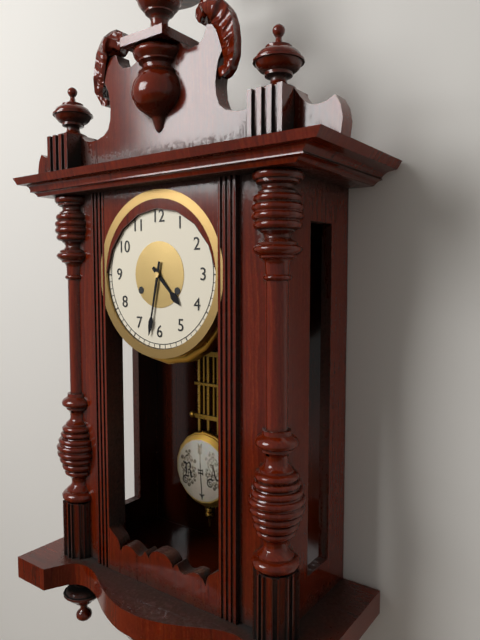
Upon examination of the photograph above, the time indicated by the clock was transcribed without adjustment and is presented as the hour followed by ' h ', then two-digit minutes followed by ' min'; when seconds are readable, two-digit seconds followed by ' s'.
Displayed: 4 h 32 min
